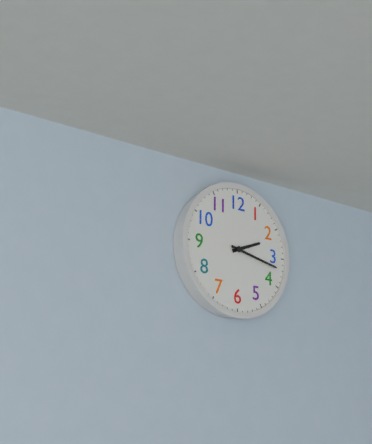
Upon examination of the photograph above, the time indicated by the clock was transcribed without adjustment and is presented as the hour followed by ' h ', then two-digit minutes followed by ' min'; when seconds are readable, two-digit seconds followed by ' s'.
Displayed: 2 h 17 min
